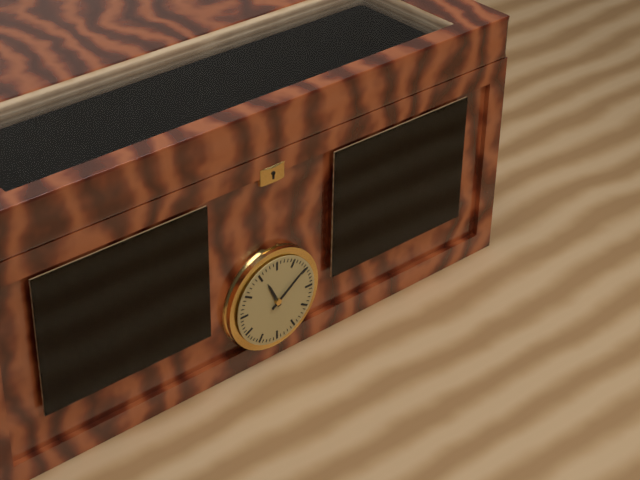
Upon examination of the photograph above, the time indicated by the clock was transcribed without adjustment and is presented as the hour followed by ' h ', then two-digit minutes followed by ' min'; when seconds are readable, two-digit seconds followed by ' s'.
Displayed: 11 h 09 min
